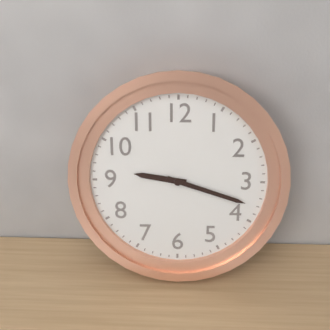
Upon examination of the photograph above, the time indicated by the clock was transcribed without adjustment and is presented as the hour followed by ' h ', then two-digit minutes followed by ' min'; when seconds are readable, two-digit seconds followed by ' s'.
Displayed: 9 h 18 min
